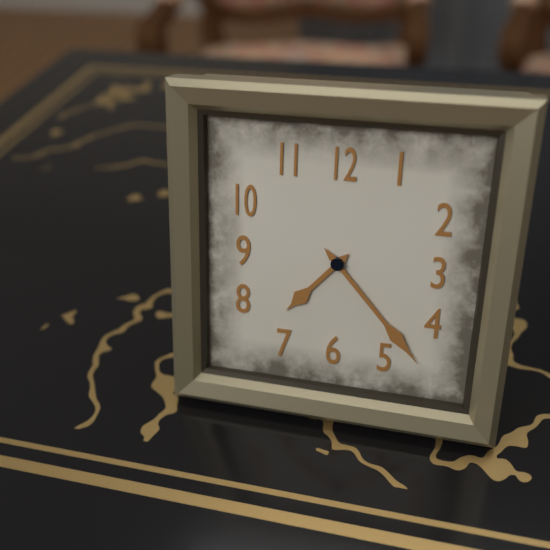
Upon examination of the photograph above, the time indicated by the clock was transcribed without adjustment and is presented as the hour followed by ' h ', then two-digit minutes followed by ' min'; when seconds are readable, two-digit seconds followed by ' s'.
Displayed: 7 h 23 min
